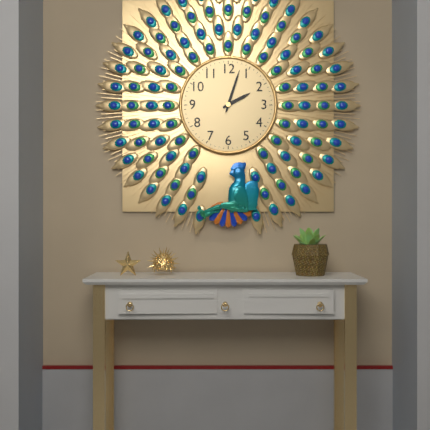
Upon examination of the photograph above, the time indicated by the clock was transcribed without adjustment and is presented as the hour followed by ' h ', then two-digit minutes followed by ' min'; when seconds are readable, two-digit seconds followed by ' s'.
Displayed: 2 h 03 min
